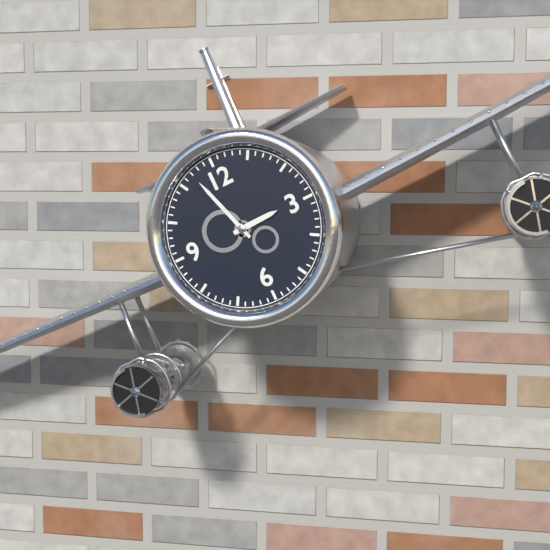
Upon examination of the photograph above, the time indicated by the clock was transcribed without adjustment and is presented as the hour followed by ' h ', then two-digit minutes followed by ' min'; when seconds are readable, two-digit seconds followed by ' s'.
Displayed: 2 h 57 min
